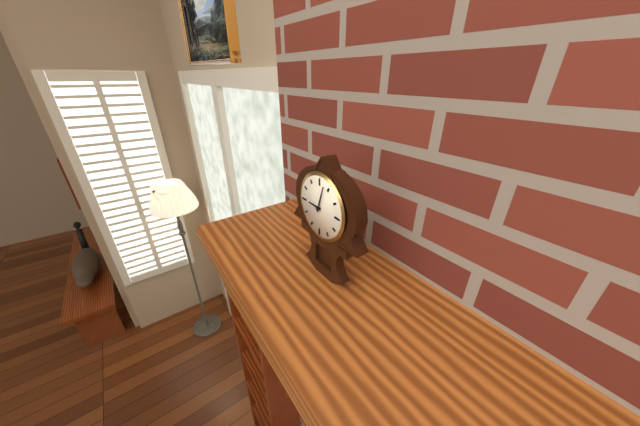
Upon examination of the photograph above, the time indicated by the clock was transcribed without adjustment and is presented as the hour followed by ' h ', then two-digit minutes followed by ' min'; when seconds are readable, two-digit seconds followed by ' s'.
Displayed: 9 h 03 min
